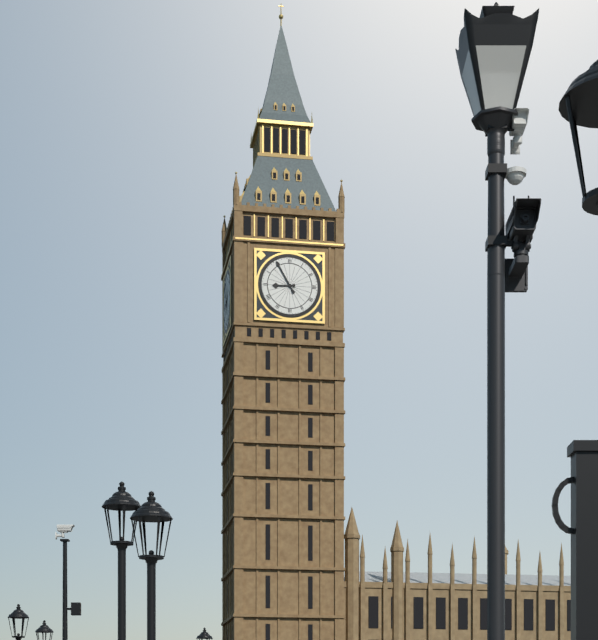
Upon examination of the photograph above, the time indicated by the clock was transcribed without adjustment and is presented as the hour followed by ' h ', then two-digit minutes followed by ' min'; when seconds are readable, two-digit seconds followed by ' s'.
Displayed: 8 h 55 min
